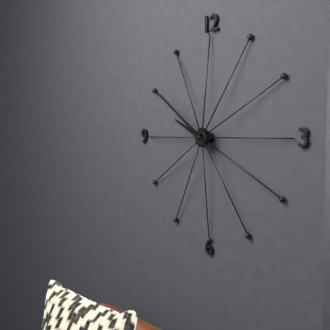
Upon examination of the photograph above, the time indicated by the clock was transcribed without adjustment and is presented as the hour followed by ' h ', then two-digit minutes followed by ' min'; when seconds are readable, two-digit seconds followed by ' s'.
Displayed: 9 h 51 min
